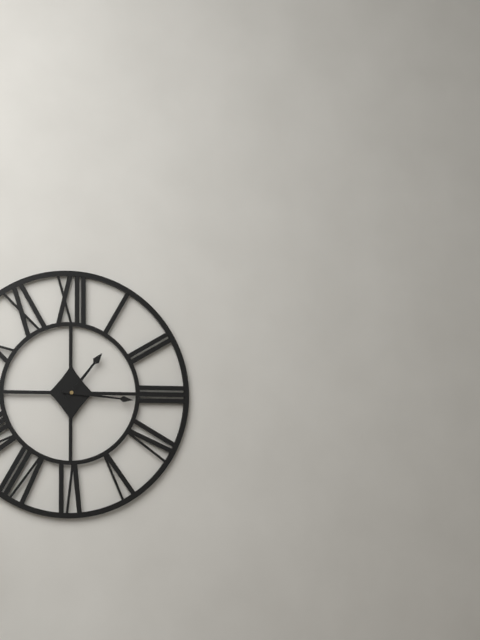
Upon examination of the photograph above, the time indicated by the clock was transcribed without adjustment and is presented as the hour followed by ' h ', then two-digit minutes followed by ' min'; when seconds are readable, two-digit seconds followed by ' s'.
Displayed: 1 h 16 min
